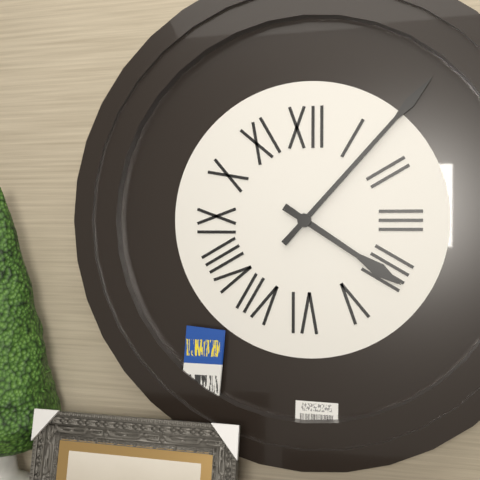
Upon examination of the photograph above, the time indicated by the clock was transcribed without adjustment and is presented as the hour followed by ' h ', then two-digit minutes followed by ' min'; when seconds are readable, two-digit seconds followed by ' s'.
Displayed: 4 h 07 min
